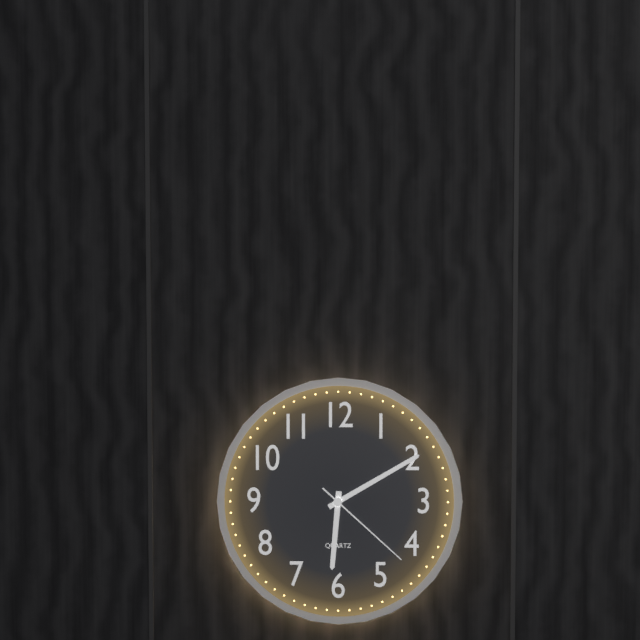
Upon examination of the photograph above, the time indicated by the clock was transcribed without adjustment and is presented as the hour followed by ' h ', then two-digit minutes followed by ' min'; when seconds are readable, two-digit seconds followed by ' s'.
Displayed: 6 h 10 min 22 s
